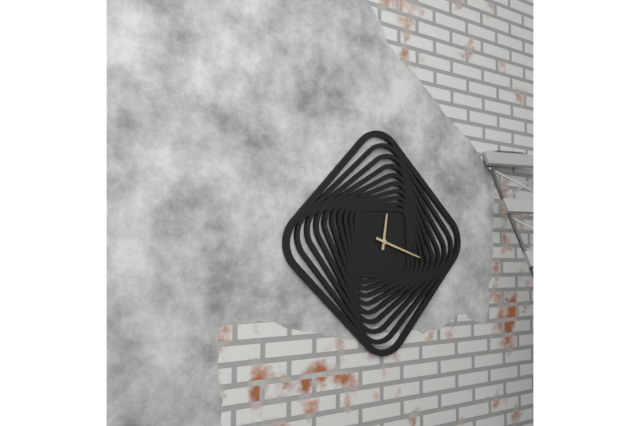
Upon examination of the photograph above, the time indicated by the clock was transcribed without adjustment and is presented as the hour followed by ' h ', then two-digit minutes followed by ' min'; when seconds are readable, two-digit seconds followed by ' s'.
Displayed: 12 h 18 min
